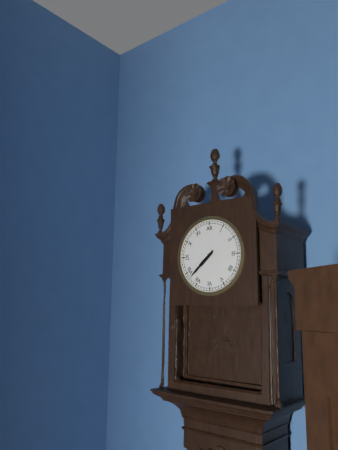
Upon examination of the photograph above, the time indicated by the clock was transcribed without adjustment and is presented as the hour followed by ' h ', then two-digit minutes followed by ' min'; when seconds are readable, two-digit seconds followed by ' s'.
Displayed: 7 h 38 min
